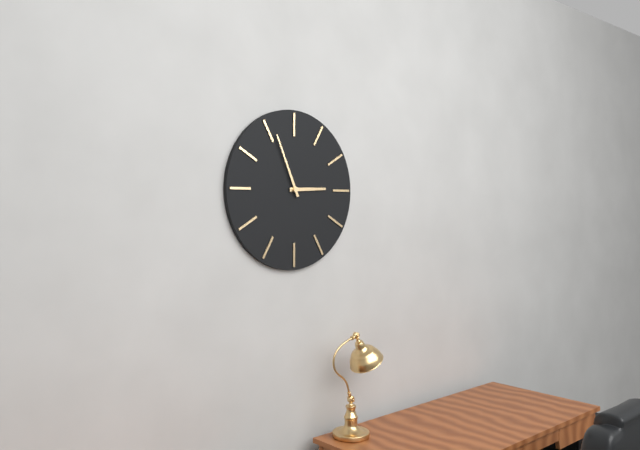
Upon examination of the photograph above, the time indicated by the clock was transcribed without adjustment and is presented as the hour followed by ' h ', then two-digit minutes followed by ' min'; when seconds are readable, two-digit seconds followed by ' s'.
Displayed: 2 h 56 min
